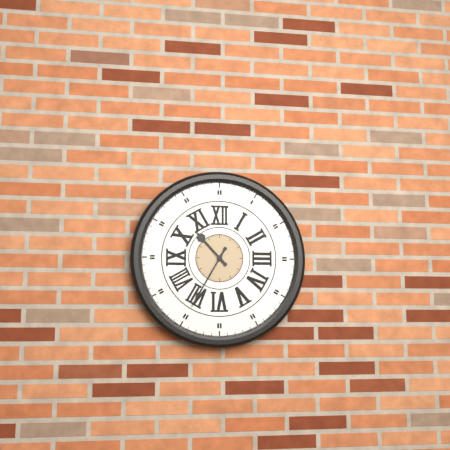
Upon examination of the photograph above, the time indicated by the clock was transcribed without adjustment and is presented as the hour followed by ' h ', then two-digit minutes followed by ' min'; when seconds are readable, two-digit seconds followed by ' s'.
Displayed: 10 h 35 min
